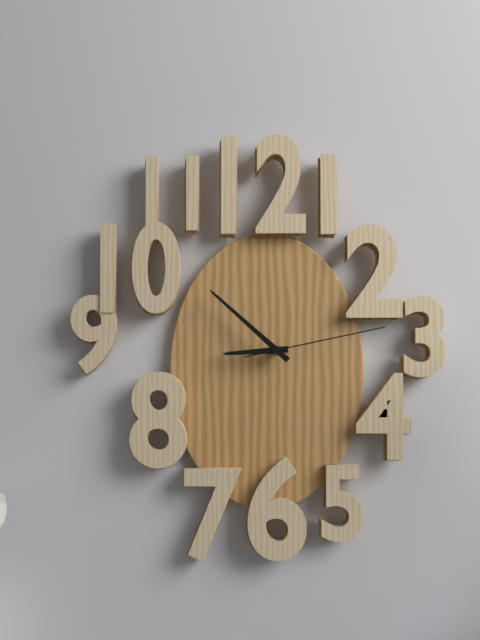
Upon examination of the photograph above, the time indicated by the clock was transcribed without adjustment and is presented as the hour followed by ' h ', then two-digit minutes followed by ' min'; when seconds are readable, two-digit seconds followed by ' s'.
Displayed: 8 h 52 min 13 s
